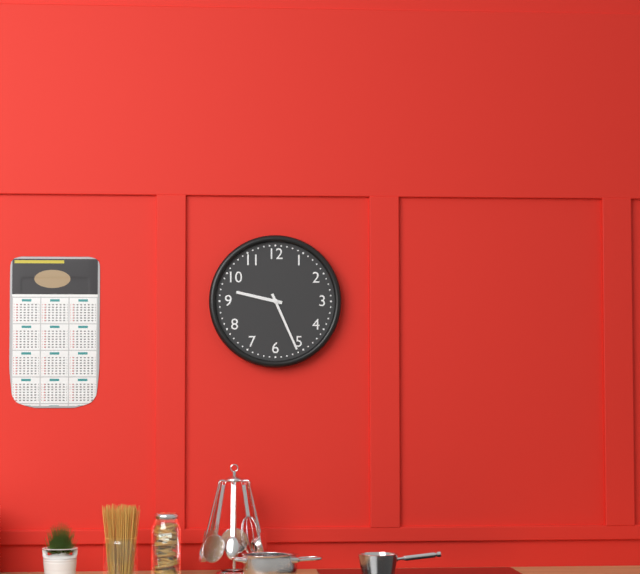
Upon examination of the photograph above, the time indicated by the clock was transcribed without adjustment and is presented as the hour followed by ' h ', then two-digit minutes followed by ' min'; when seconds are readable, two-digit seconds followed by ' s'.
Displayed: 9 h 26 min
